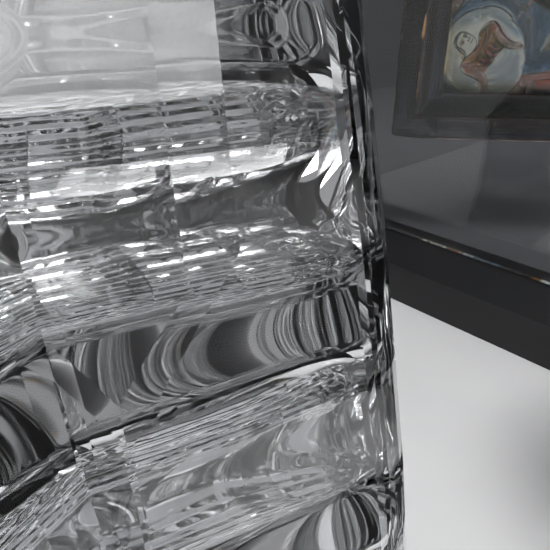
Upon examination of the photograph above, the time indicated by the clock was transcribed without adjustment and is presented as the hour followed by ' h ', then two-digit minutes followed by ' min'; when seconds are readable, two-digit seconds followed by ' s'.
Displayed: 1 h 43 min
